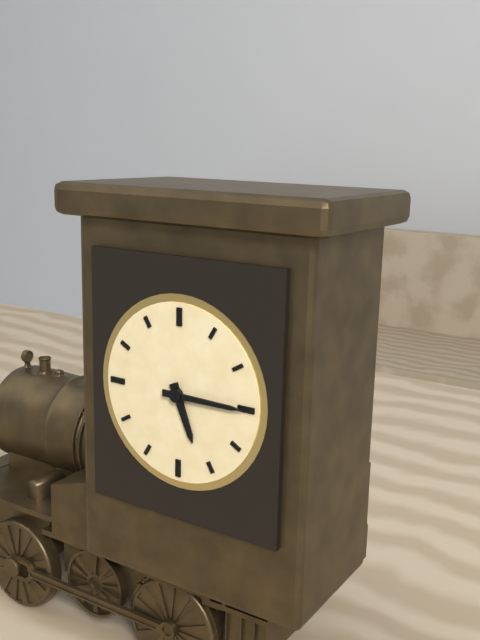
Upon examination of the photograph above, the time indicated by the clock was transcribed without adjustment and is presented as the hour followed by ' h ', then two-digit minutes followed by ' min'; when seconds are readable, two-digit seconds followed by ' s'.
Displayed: 5 h 15 min
